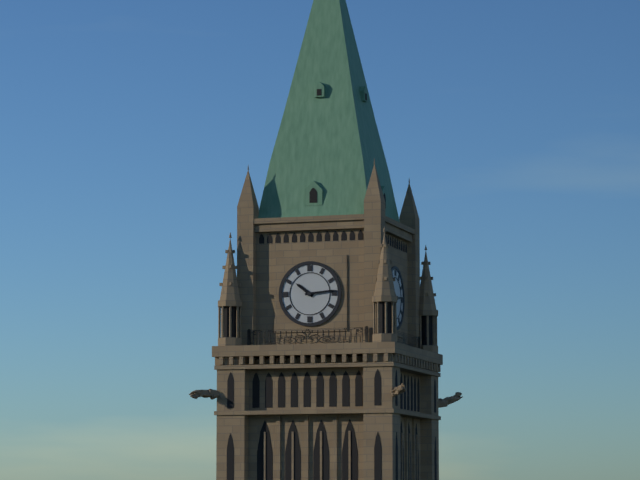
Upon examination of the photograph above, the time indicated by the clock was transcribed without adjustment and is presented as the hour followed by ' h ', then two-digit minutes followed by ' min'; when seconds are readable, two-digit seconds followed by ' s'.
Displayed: 10 h 14 min
